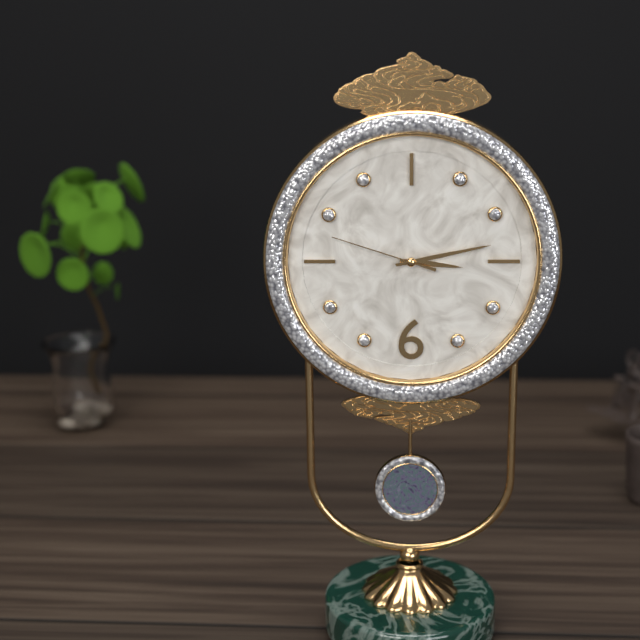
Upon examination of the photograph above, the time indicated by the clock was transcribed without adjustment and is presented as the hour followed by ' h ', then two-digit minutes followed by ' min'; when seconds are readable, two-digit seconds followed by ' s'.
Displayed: 3 h 13 min 48 s
